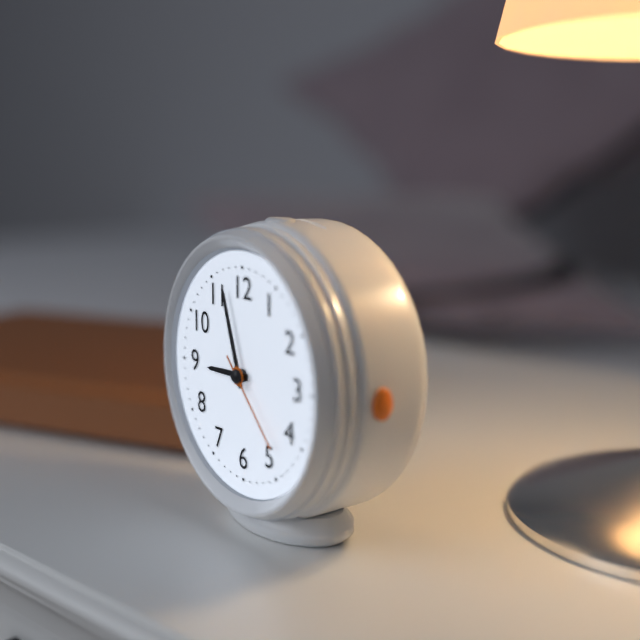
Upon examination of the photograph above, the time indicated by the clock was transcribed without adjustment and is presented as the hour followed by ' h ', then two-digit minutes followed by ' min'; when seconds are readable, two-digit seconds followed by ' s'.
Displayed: 8 h 57 min 23 s
